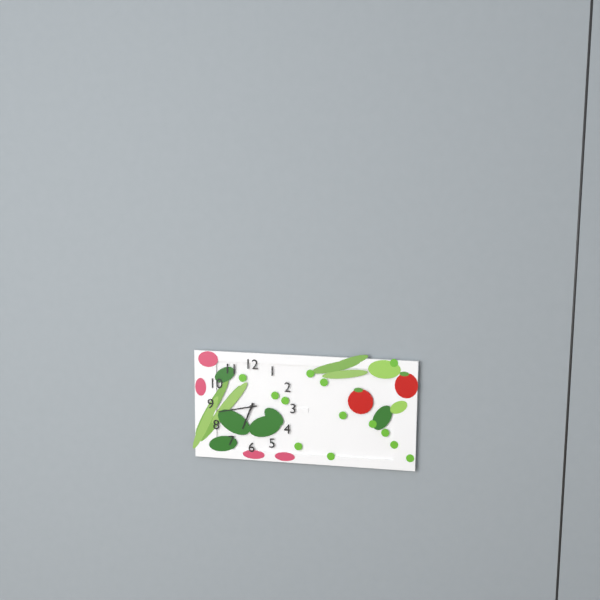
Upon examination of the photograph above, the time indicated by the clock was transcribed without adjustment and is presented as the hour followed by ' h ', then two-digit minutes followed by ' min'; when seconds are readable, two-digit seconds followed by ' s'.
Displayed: 6 h 43 min
